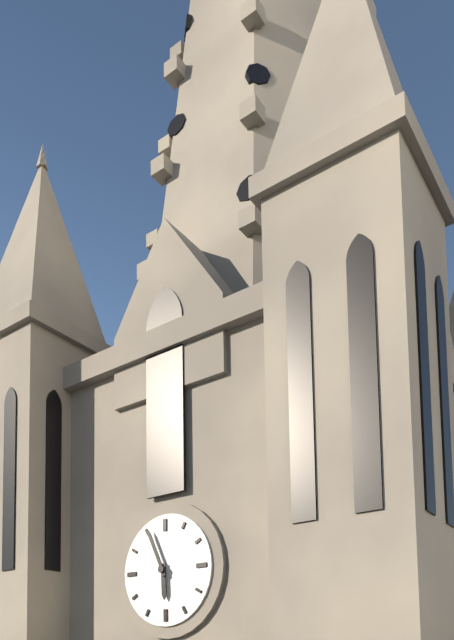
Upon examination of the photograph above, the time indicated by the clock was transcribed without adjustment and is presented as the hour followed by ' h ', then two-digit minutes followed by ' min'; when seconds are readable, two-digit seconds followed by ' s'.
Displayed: 5 h 56 min
